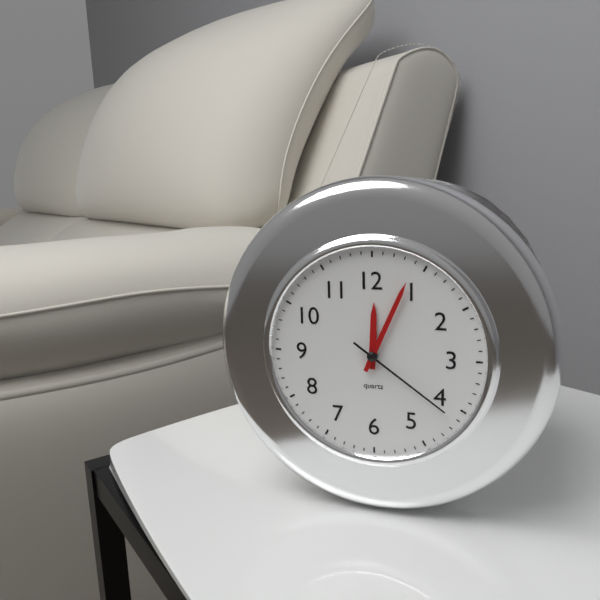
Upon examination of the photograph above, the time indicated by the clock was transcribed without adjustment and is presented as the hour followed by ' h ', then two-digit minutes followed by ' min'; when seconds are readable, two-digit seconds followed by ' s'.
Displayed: 12 h 04 min 21 s
